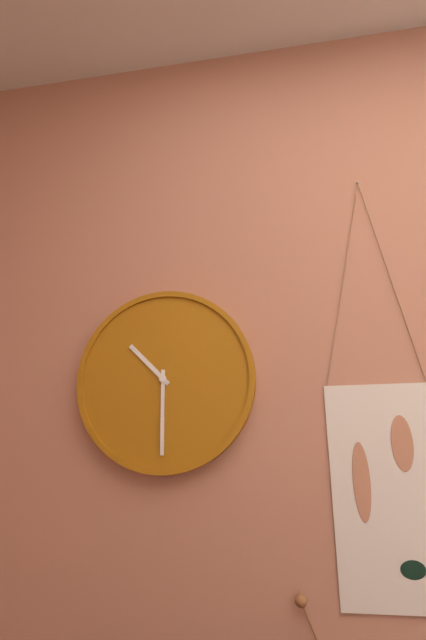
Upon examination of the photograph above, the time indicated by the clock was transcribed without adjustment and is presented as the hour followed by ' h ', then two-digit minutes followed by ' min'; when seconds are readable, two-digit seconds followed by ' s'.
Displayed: 10 h 30 min
